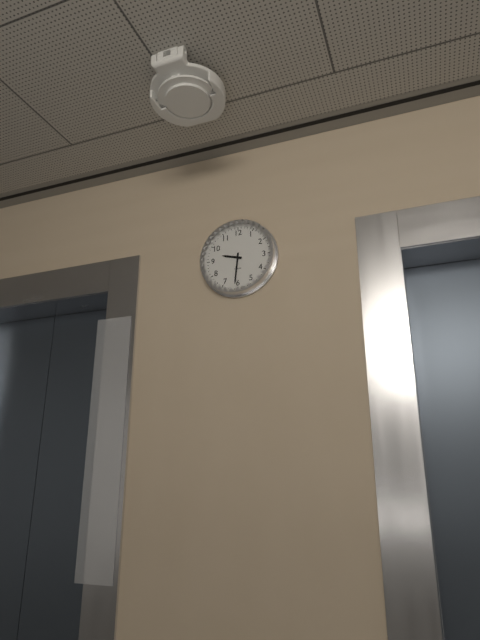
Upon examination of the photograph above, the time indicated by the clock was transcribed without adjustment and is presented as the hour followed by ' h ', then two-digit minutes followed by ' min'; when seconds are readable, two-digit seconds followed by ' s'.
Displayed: 9 h 31 min
